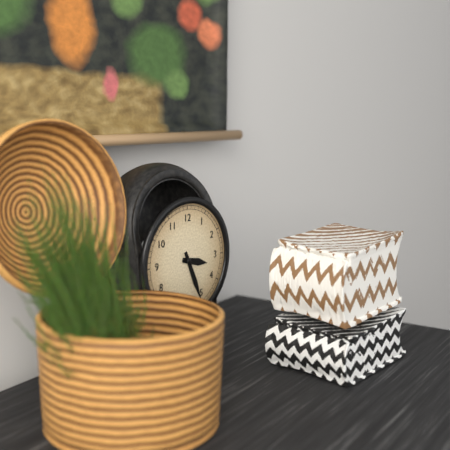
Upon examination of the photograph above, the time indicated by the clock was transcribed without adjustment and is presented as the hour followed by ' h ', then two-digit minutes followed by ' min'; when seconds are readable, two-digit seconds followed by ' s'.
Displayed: 3 h 26 min
